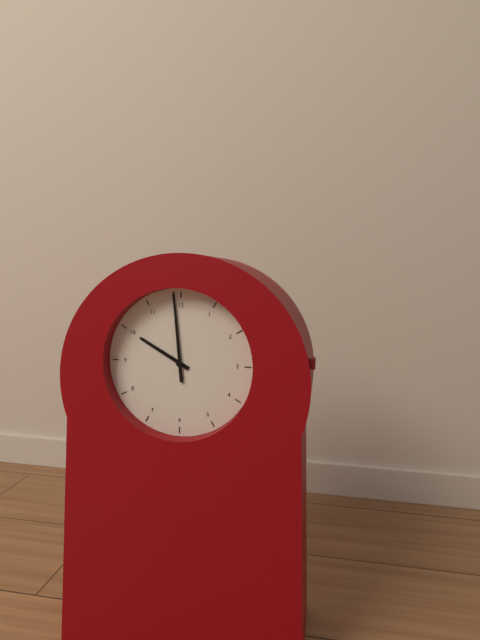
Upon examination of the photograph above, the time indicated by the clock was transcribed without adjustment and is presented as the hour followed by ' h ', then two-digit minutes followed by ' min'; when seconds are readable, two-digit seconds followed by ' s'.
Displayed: 9 h 59 min
